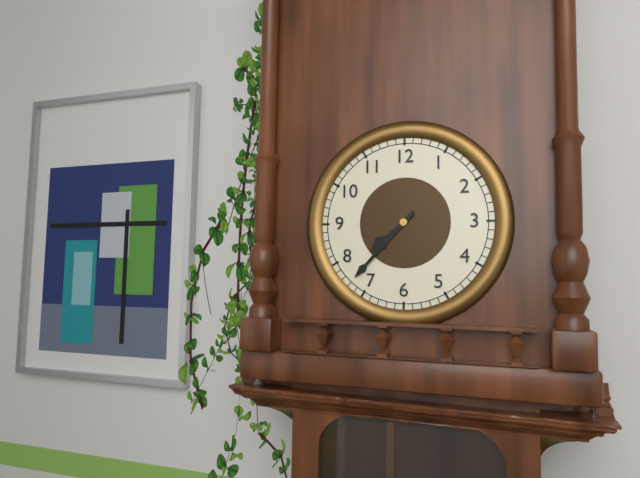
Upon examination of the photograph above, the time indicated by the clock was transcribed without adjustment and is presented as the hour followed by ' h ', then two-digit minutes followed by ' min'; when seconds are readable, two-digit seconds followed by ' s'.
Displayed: 7 h 37 min
